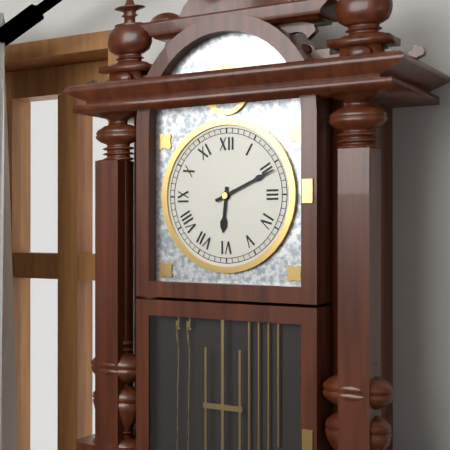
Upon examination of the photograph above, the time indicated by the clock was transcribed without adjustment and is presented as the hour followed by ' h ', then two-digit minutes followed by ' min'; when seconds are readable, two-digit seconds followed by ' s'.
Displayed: 6 h 11 min
